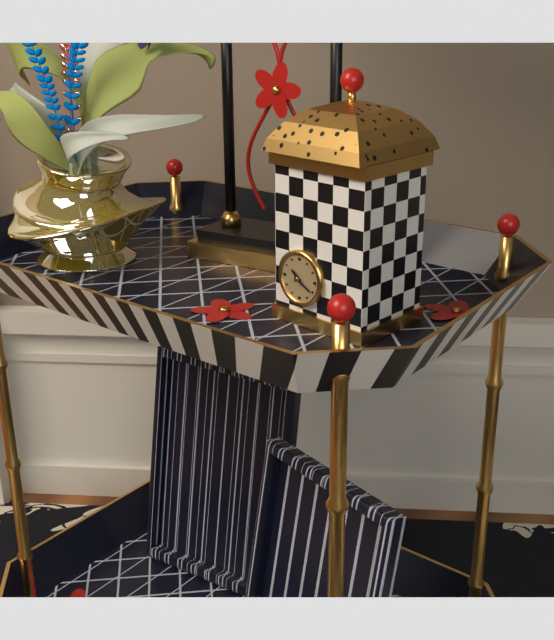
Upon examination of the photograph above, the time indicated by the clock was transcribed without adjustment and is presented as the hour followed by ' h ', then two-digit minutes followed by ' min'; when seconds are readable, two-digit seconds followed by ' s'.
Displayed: 10 h 20 min
